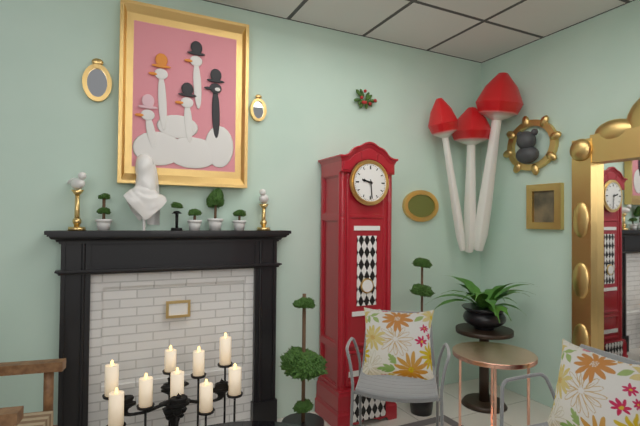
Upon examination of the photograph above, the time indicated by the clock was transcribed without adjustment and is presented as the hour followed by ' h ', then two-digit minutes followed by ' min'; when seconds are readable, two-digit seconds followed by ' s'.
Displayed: 9 h 29 min
